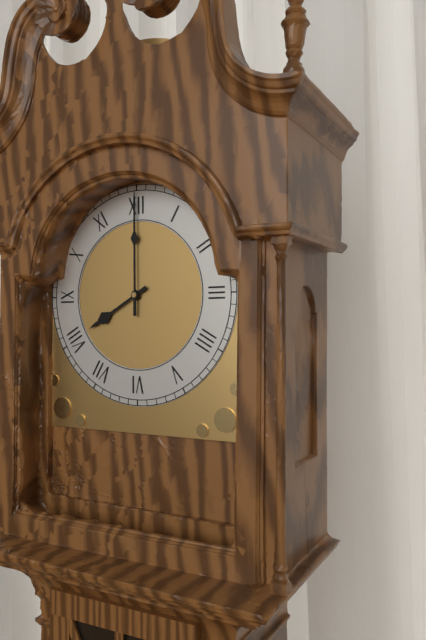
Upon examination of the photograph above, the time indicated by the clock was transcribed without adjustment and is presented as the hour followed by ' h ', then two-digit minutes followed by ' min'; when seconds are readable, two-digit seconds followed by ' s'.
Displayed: 8 h 00 min
